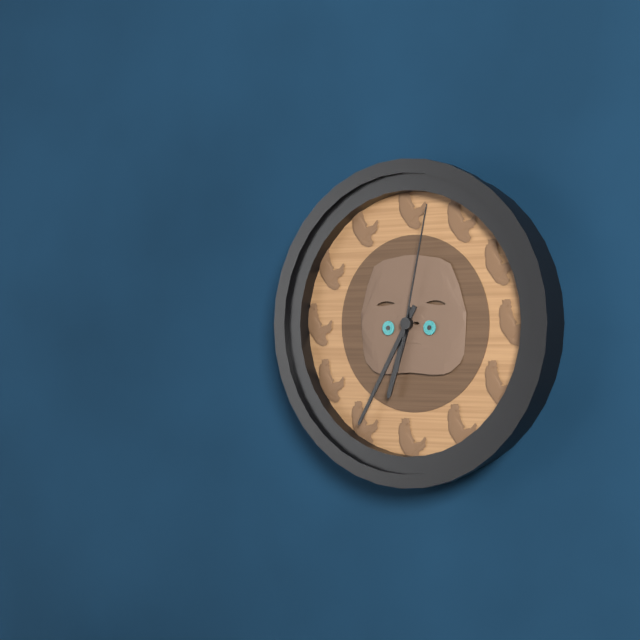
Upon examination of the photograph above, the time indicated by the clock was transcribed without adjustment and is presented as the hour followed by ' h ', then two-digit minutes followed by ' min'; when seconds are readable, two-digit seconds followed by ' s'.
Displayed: 6 h 35 min 02 s
